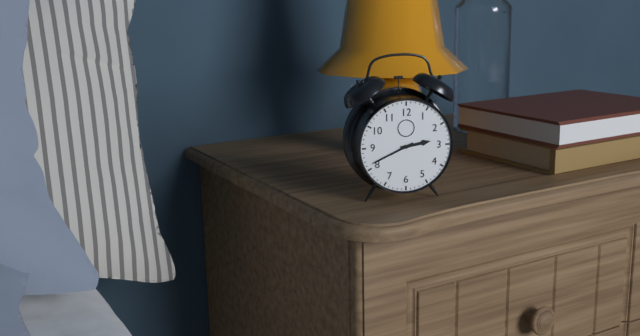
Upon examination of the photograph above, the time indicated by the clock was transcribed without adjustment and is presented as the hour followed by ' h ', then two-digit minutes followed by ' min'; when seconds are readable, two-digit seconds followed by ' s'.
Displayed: 2 h 41 min
